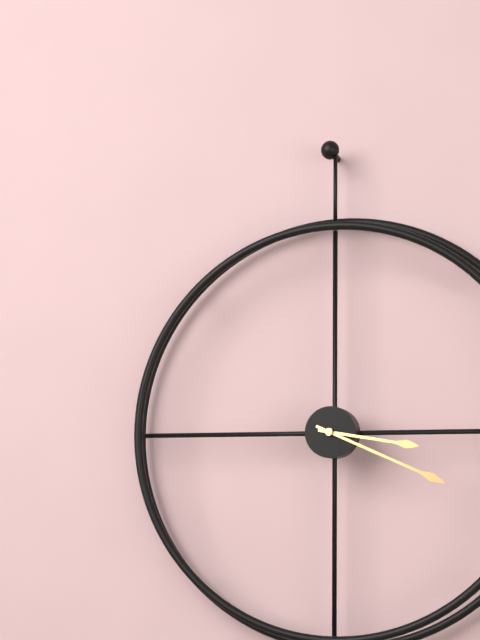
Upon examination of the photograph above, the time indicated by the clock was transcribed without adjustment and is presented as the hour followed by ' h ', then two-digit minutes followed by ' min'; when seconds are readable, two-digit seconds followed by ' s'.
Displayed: 3 h 19 min
